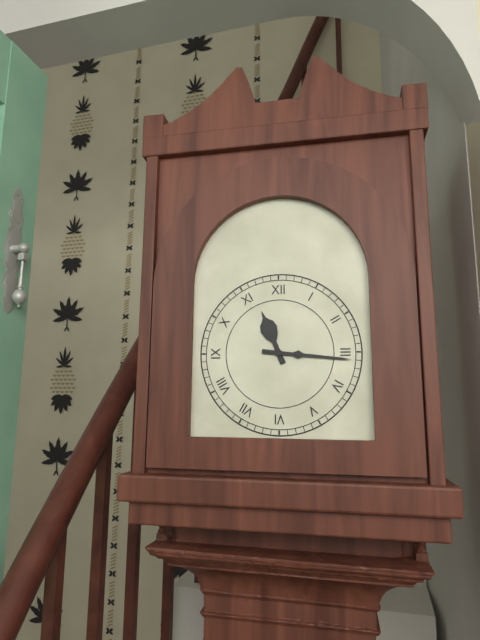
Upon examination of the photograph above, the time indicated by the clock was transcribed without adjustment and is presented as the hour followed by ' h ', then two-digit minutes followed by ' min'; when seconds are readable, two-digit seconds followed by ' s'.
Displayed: 11 h 16 min
